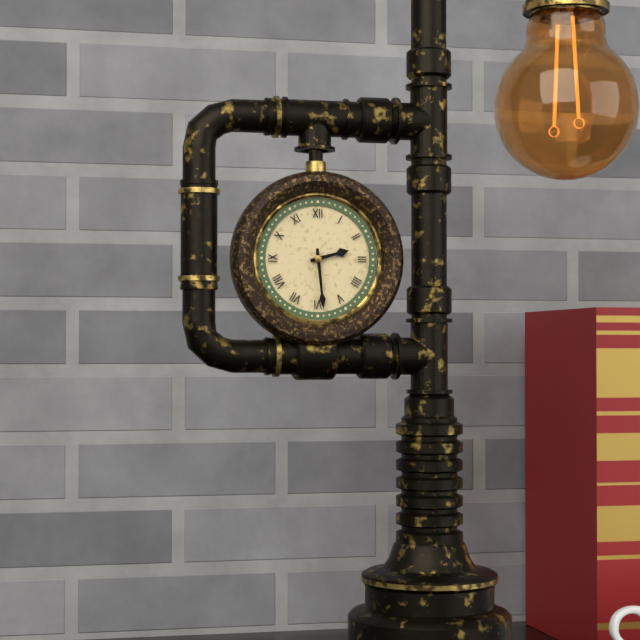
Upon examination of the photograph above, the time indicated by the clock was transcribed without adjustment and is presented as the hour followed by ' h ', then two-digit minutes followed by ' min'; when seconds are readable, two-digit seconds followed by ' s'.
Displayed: 2 h 29 min
